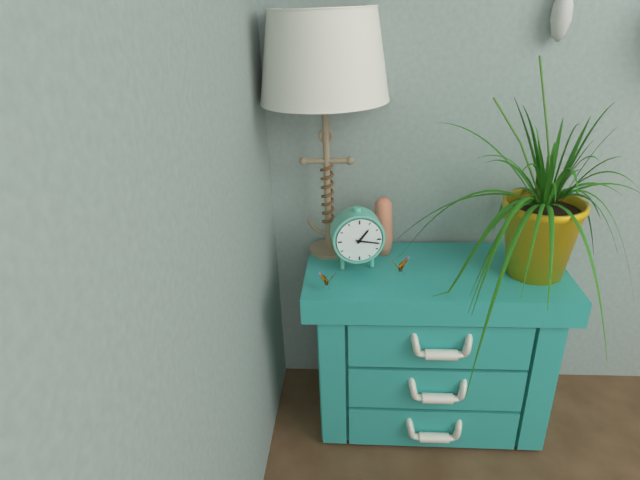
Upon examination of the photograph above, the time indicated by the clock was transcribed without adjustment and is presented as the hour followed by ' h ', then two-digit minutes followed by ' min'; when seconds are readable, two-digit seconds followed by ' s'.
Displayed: 1 h 17 min
